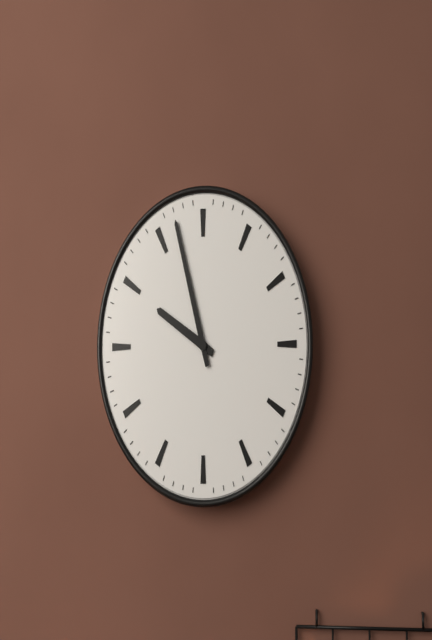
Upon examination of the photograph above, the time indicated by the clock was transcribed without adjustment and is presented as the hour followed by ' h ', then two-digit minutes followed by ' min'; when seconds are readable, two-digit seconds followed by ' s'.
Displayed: 9 h 57 min
